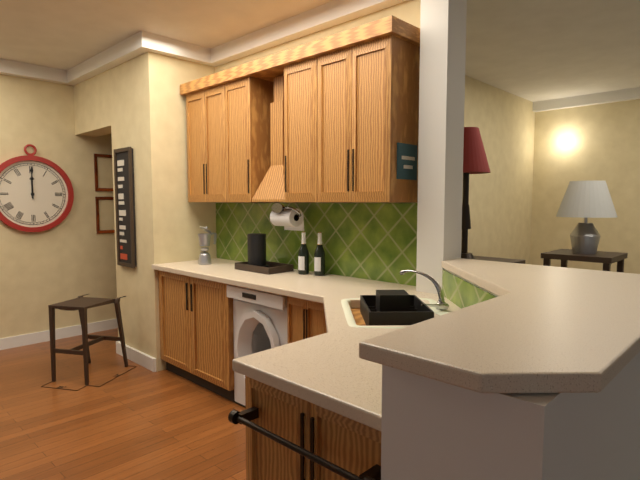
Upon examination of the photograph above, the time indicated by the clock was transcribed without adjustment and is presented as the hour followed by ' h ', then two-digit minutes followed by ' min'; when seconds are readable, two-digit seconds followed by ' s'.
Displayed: 12 h 00 min
